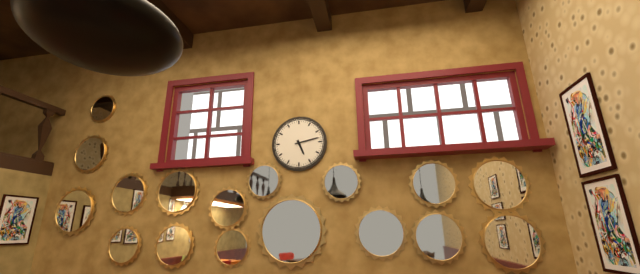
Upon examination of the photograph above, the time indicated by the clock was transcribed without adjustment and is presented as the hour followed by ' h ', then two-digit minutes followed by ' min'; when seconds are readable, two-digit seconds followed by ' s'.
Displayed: 5 h 13 min
